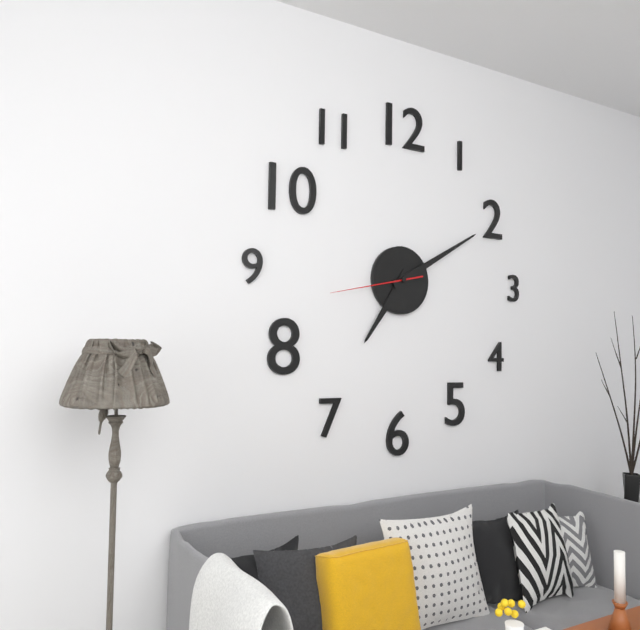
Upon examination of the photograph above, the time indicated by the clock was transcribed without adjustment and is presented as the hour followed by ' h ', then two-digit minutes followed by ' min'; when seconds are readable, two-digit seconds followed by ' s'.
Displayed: 7 h 10 min 43 s
